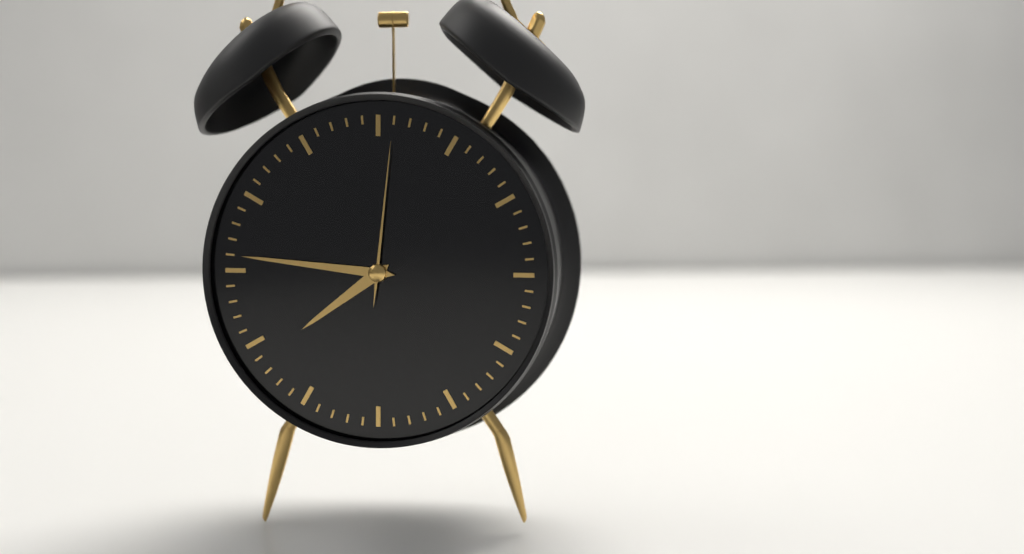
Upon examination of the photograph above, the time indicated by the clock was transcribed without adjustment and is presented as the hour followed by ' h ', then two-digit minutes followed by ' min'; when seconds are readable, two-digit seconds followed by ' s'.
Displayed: 7 h 46 min 01 s
